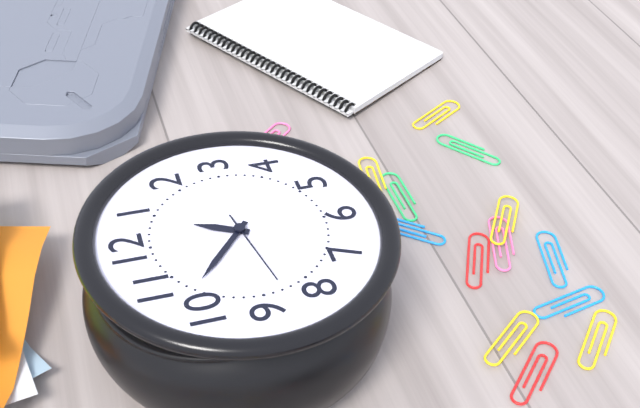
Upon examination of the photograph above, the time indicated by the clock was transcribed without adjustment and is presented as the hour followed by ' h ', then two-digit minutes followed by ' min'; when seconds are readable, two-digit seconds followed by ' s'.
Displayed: 12 h 52 min 43 s
